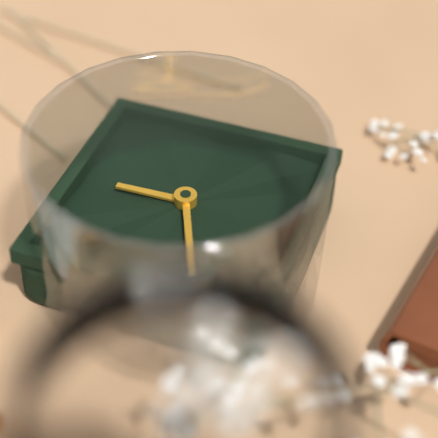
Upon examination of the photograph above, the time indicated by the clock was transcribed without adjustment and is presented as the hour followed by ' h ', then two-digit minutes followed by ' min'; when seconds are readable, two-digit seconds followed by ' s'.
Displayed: 2 h 56 min
